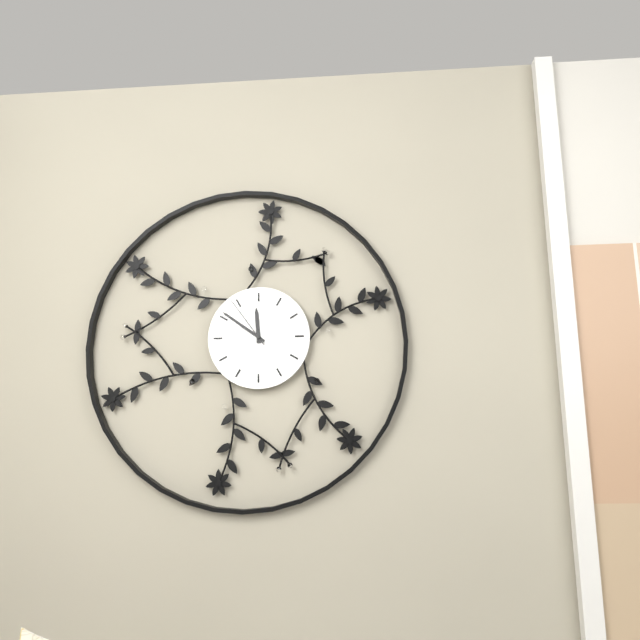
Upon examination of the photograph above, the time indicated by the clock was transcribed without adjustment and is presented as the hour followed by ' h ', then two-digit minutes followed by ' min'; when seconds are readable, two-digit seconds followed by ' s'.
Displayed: 11 h 51 min 54 s
